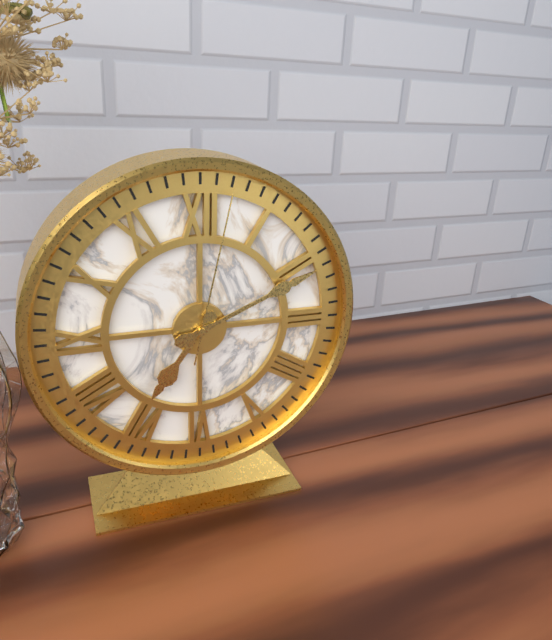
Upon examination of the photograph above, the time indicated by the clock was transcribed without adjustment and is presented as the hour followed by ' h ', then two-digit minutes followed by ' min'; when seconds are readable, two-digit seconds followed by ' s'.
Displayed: 7 h 11 min 02 s
